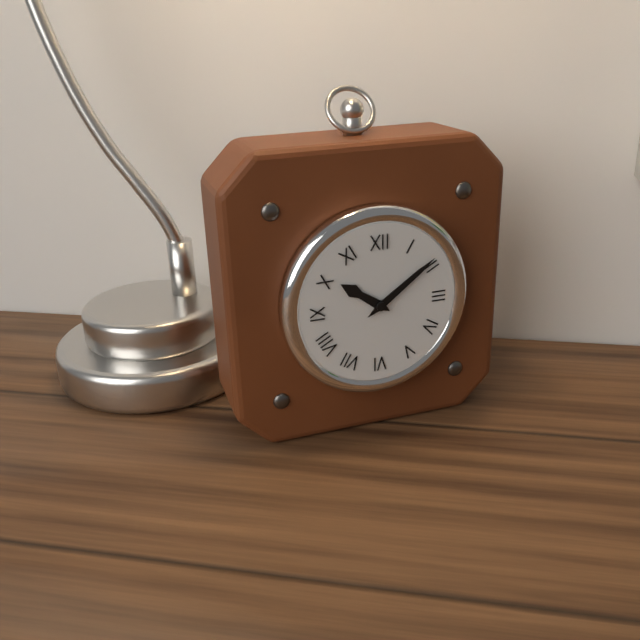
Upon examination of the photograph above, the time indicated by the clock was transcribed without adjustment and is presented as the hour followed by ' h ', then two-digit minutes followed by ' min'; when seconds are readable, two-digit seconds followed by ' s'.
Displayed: 10 h 09 min
